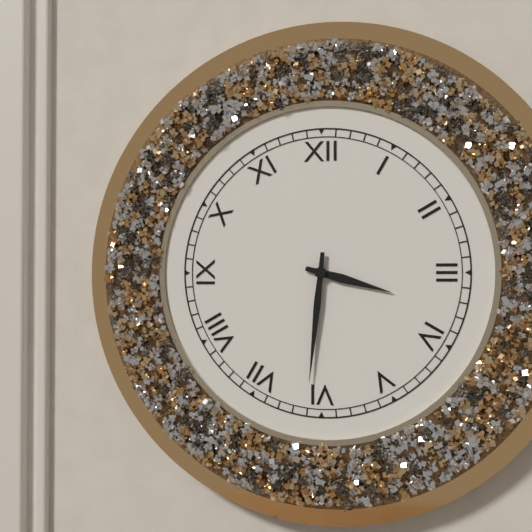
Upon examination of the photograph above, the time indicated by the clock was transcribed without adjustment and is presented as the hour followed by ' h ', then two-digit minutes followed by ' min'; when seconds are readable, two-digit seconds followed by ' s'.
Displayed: 3 h 31 min
